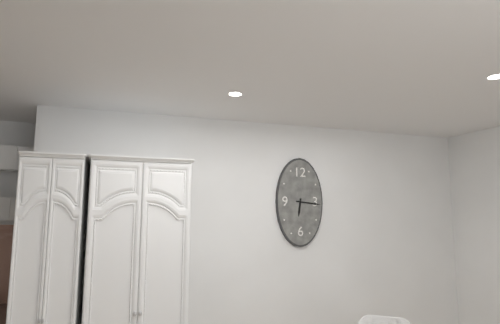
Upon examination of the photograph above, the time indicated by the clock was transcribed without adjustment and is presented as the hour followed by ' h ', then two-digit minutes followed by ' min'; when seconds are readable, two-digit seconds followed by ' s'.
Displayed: 6 h 16 min
